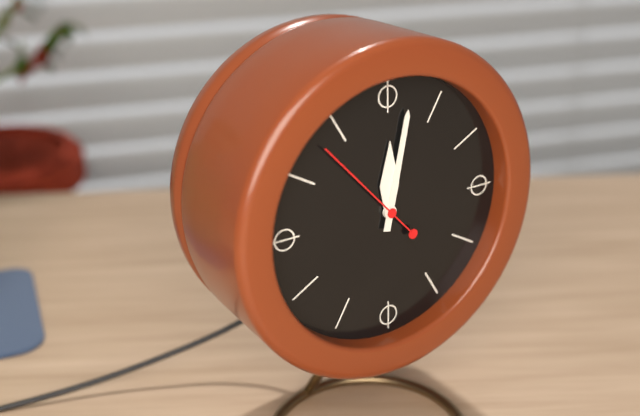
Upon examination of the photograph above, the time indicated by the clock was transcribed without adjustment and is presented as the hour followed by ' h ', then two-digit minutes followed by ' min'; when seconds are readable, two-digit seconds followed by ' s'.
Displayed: 12 h 02 min 53 s
